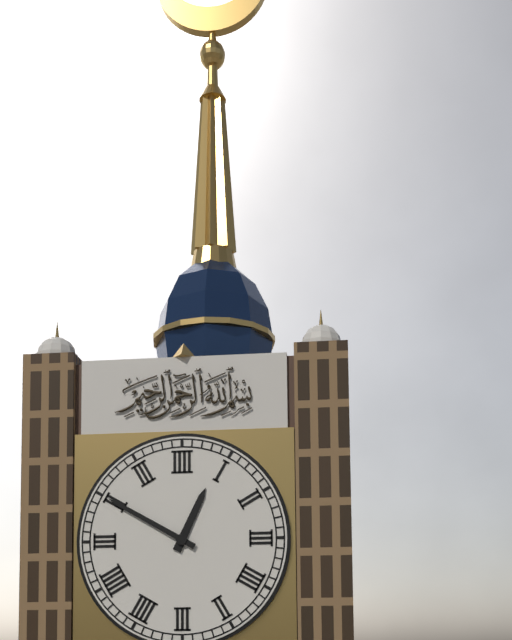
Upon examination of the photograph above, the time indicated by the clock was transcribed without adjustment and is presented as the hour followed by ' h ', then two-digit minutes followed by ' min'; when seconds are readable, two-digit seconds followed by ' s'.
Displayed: 12 h 50 min
